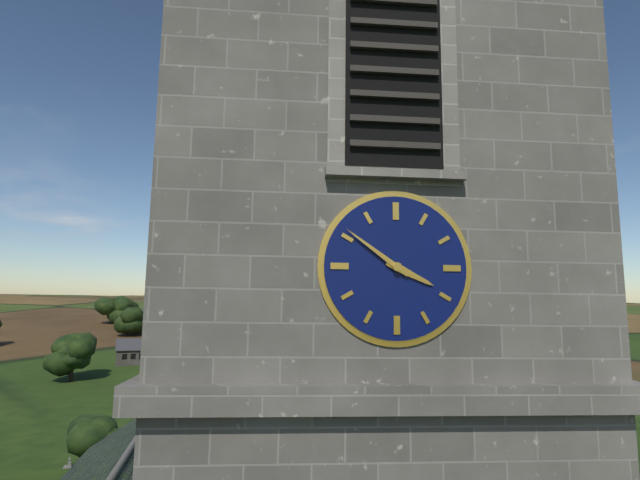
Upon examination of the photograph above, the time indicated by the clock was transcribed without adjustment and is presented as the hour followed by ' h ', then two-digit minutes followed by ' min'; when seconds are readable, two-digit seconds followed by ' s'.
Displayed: 3 h 51 min
